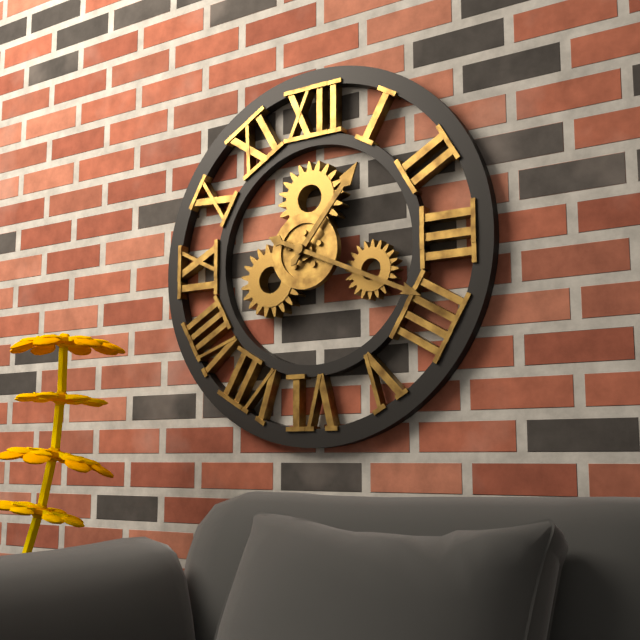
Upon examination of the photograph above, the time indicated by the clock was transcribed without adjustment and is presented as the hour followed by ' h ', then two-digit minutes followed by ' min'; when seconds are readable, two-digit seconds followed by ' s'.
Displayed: 1 h 19 min
